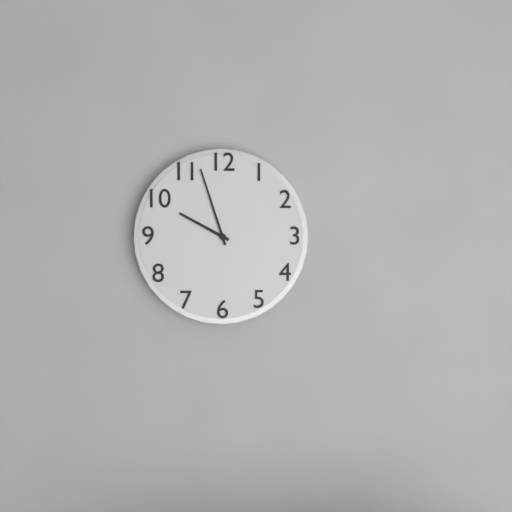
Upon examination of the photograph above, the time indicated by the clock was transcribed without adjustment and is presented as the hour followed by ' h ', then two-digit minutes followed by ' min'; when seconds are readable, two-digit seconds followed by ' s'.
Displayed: 9 h 57 min
